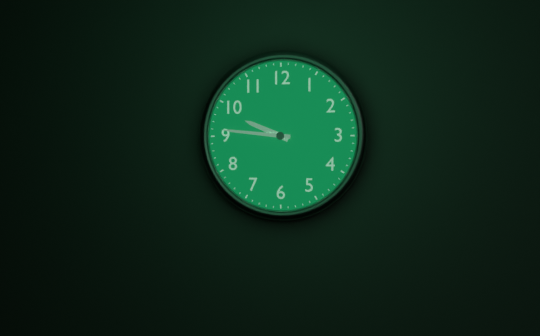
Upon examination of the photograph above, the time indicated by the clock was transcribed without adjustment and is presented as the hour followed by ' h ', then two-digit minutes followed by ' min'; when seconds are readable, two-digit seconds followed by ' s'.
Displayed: 9 h 46 min
